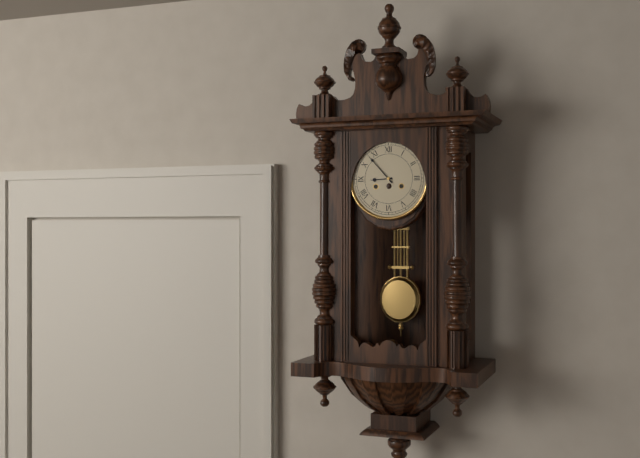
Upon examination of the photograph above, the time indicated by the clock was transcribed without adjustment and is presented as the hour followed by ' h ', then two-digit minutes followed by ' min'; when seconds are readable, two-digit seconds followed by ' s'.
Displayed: 8 h 53 min
